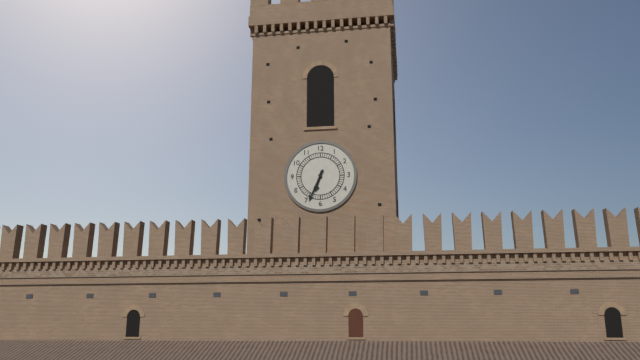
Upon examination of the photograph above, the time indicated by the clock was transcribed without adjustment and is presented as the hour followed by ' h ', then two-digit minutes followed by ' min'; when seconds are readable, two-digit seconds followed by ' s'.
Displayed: 6 h 34 min
